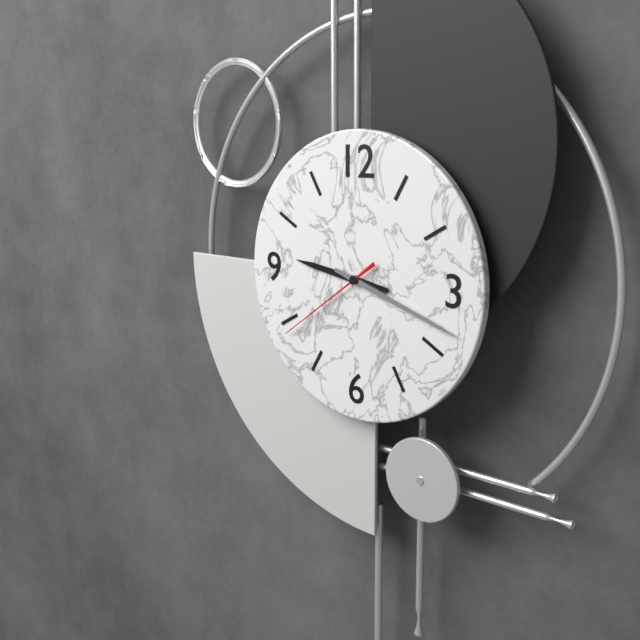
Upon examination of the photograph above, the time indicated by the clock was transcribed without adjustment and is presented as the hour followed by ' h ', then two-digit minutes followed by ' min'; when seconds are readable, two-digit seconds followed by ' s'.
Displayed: 9 h 18 min 39 s
